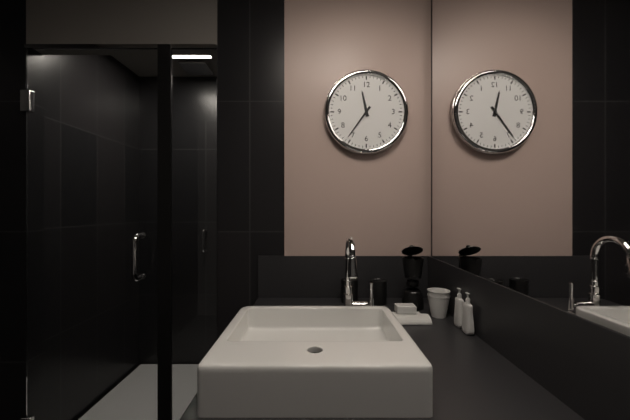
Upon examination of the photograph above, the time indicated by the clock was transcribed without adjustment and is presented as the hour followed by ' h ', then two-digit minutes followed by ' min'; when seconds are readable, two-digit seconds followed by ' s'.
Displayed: 11 h 36 min
